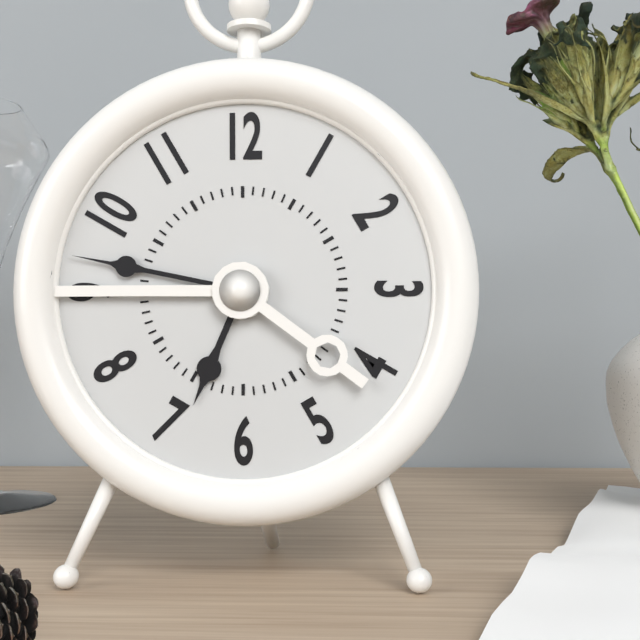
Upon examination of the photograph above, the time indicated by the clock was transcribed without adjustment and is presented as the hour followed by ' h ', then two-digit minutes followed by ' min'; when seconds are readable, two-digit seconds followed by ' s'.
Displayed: 6 h 47 min
